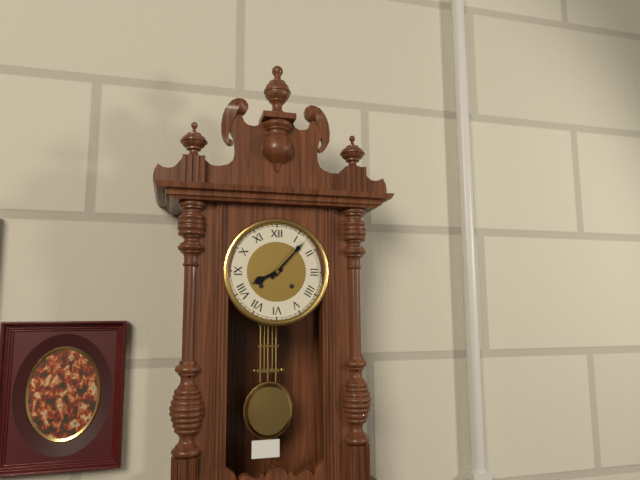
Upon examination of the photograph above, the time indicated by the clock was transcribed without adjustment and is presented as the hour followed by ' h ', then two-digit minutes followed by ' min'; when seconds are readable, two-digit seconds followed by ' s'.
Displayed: 8 h 07 min
